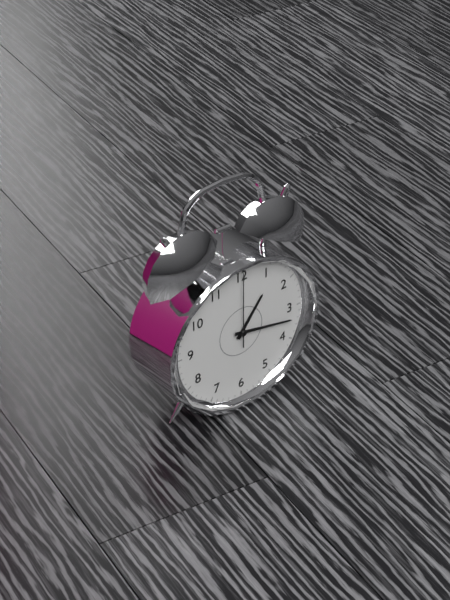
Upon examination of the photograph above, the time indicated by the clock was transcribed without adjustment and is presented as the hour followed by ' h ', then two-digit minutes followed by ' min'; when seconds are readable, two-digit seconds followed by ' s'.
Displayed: 1 h 17 min 00 s
